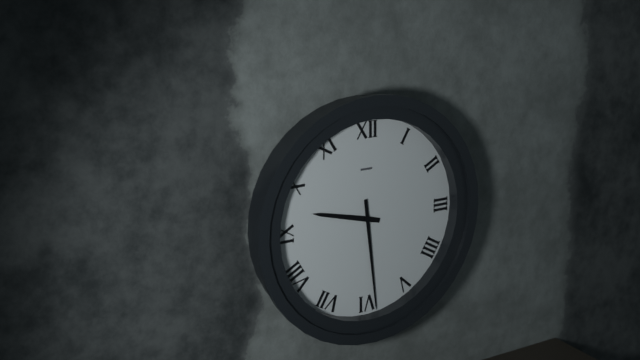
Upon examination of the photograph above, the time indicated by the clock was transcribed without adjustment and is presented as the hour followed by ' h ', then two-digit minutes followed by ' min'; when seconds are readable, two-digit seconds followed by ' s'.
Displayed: 9 h 29 min
